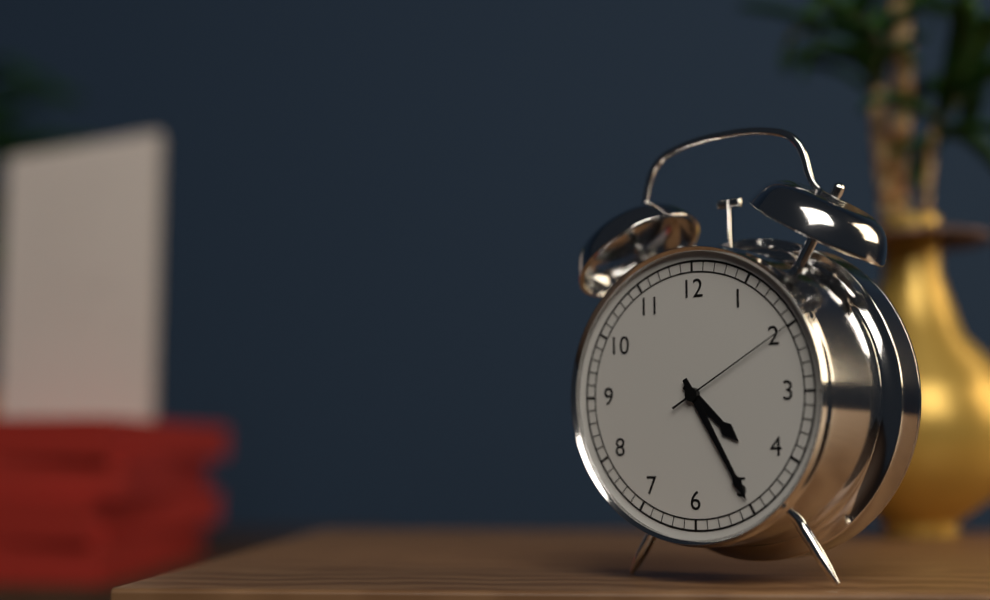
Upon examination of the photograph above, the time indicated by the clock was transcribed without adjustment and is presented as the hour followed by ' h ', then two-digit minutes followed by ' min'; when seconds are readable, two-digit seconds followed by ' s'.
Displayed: 4 h 25 min 10 s
